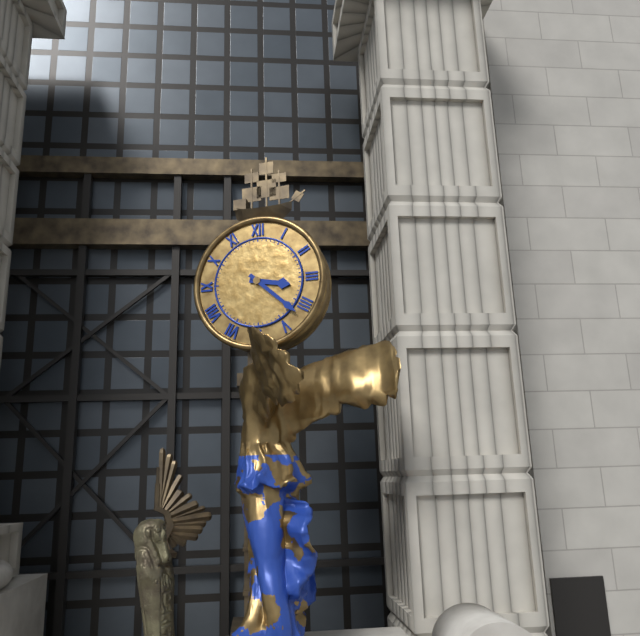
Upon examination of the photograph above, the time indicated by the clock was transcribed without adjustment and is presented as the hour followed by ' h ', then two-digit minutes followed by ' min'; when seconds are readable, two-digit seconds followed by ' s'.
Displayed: 3 h 22 min
